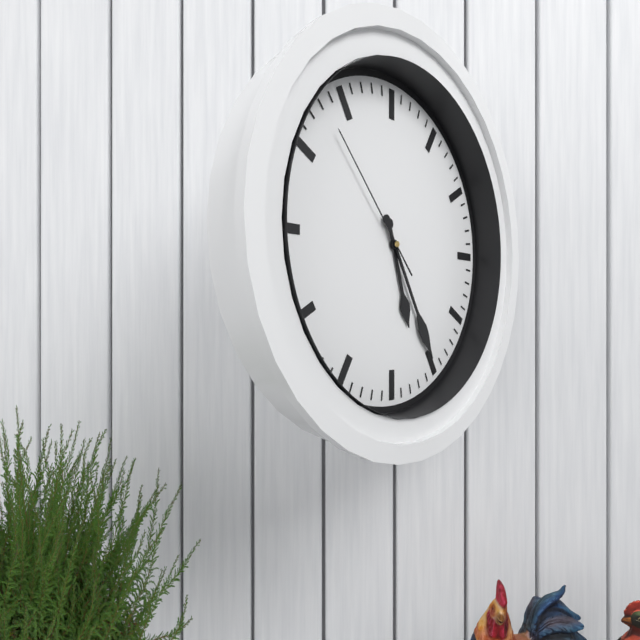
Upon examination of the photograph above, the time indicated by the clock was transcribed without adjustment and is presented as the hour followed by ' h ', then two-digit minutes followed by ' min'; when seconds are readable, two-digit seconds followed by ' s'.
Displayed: 5 h 25 min 53 s
